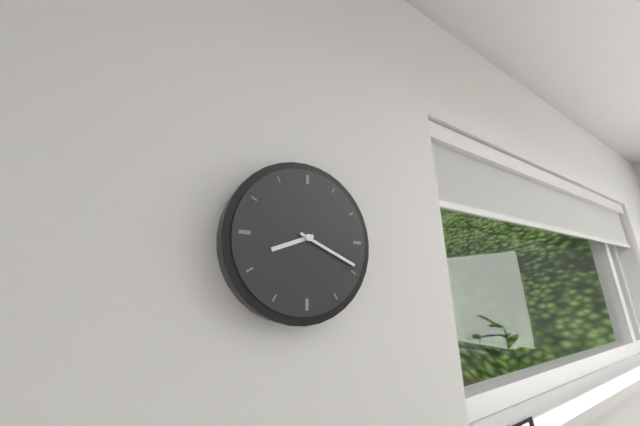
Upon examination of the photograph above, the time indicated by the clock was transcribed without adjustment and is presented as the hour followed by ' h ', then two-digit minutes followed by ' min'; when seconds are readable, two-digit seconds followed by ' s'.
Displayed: 8 h 19 min
